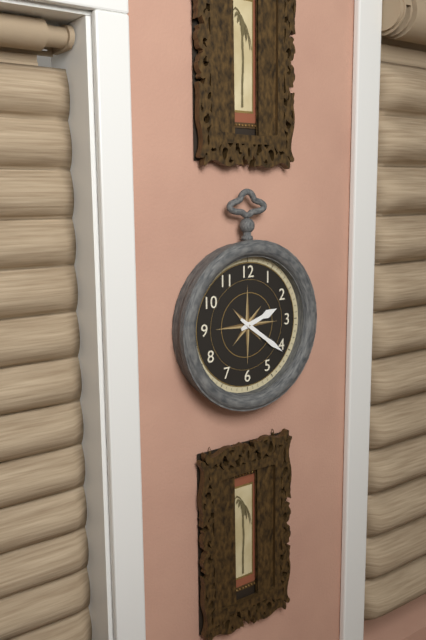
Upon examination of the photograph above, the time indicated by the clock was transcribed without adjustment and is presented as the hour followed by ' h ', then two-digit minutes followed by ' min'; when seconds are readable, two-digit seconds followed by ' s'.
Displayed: 2 h 21 min
